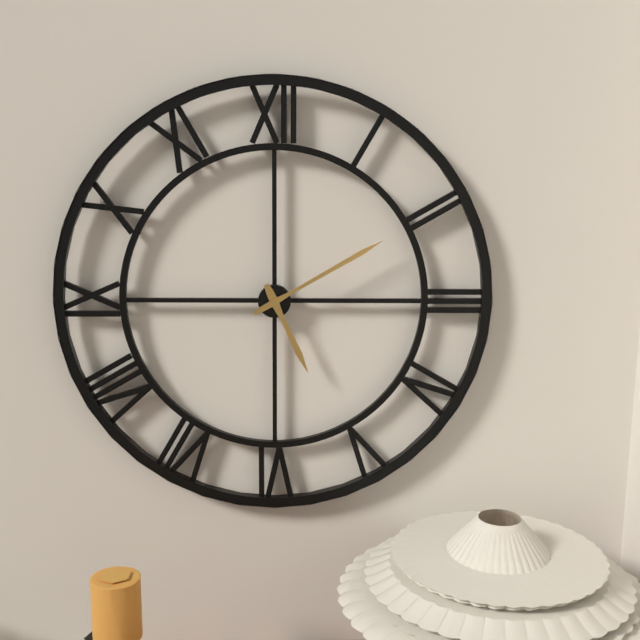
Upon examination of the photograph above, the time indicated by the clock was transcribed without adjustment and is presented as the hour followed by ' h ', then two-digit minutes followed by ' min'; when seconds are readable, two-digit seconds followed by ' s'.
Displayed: 5 h 10 min
